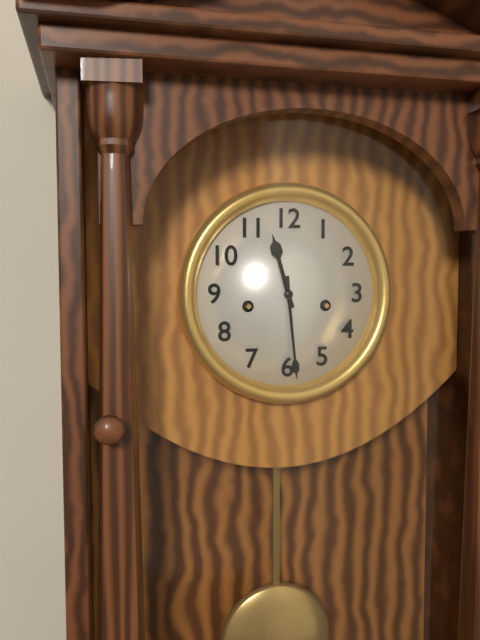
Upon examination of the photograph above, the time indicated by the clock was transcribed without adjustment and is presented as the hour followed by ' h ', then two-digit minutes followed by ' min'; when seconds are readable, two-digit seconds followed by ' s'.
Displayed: 11 h 29 min
